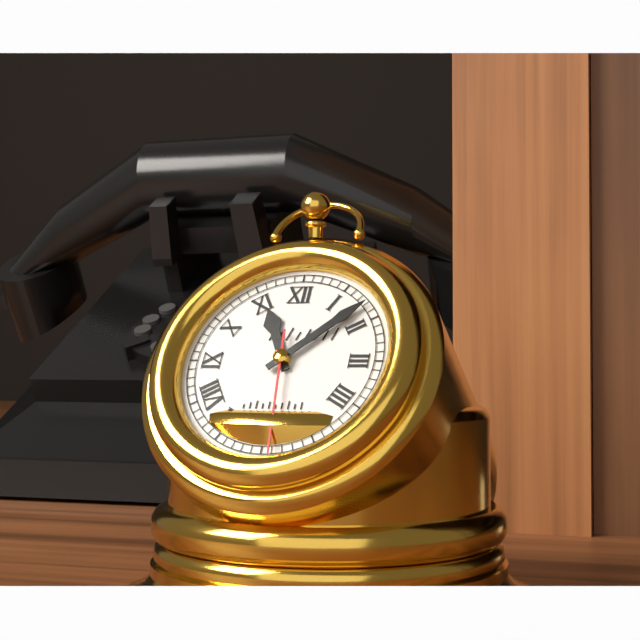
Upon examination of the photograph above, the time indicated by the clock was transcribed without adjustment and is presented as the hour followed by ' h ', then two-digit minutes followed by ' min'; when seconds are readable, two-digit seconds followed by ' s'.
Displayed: 11 h 08 min 29 s
